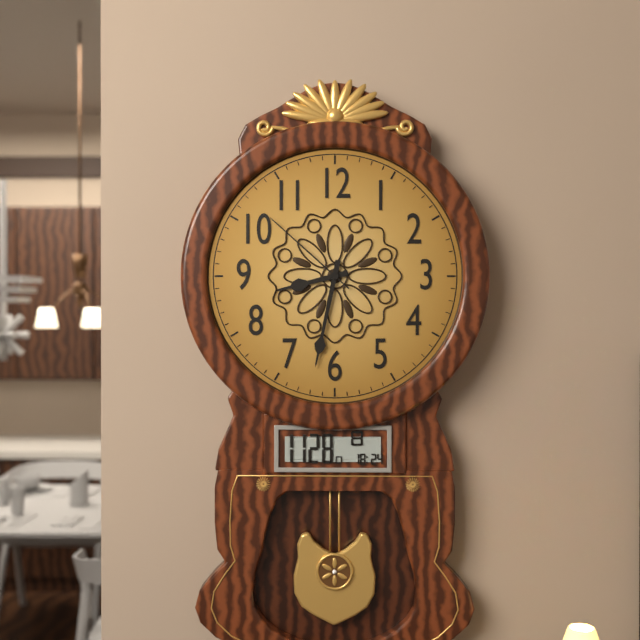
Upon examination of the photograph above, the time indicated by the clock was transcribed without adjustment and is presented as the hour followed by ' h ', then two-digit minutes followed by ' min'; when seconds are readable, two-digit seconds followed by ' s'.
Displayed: 8 h 32 min 52 s
